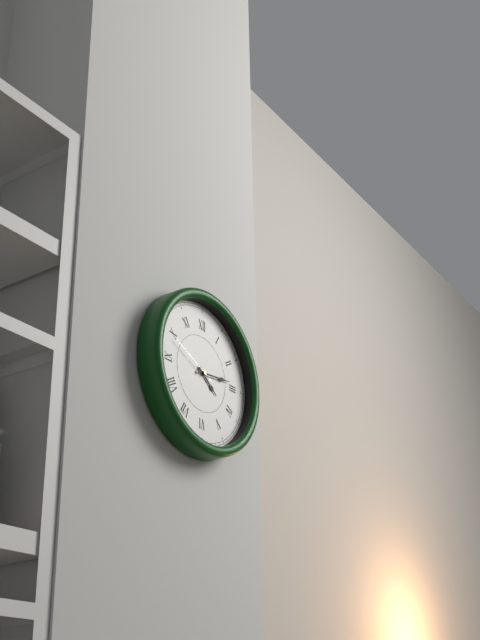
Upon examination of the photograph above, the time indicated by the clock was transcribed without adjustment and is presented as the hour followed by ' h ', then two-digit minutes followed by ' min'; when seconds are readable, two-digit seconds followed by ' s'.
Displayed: 4 h 14 min 49 s
